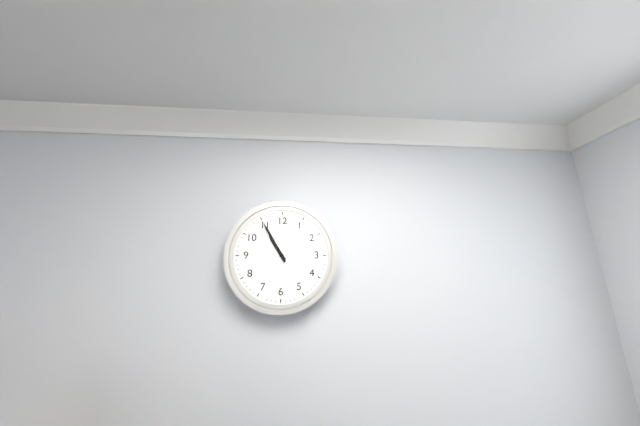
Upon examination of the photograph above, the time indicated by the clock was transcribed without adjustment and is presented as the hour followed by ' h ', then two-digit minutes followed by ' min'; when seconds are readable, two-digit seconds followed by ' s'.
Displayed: 10 h 55 min
